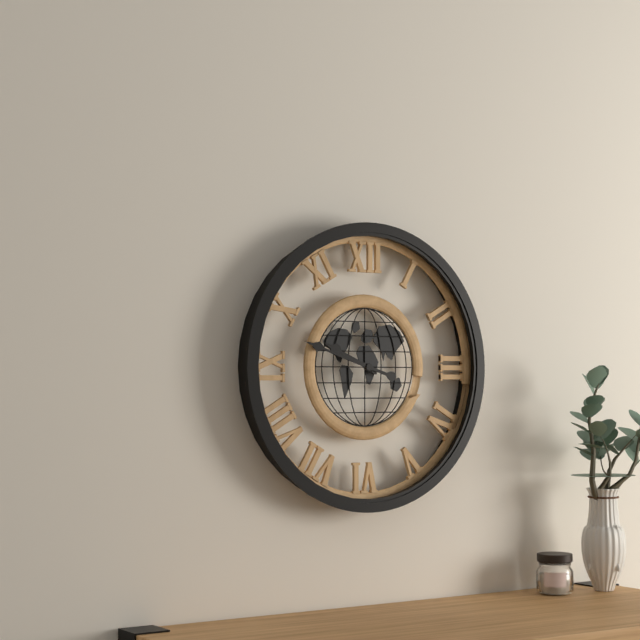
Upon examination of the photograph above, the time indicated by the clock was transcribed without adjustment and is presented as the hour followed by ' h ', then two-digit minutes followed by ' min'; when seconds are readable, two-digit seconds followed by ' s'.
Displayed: 9 h 48 min
